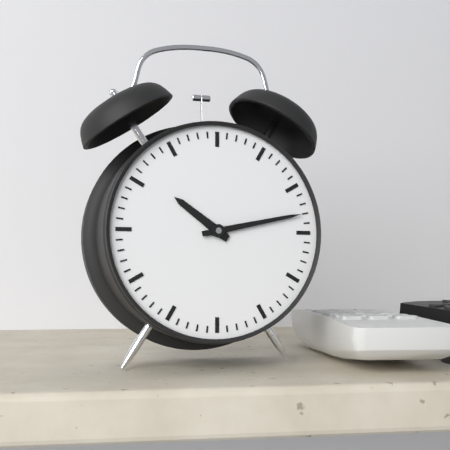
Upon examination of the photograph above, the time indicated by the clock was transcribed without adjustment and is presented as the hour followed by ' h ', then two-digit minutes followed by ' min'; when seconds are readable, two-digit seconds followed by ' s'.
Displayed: 10 h 13 min
